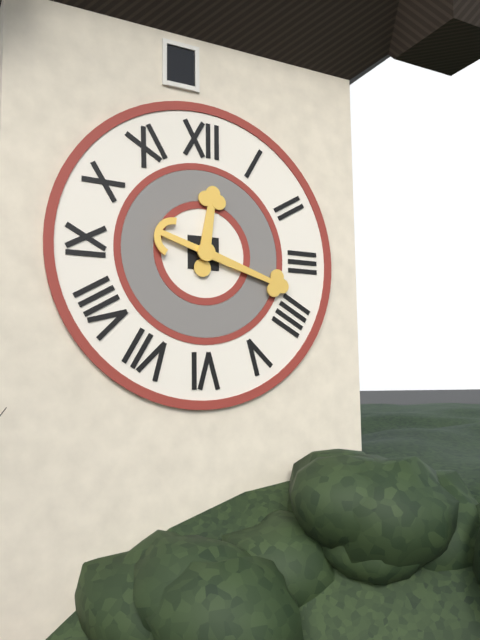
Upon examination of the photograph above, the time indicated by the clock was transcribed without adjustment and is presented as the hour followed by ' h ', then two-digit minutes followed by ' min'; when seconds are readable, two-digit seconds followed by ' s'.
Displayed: 12 h 18 min
